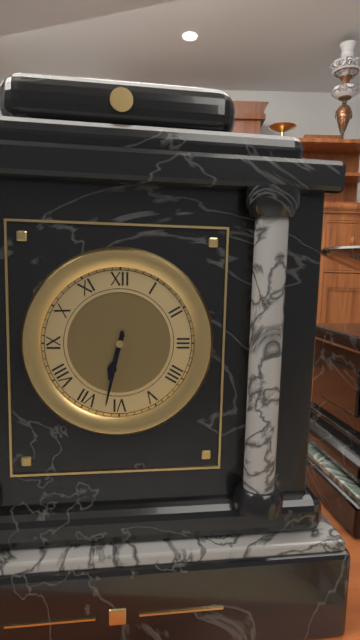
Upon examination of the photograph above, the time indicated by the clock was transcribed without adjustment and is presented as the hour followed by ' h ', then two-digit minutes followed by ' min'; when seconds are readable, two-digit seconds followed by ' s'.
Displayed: 6 h 32 min
